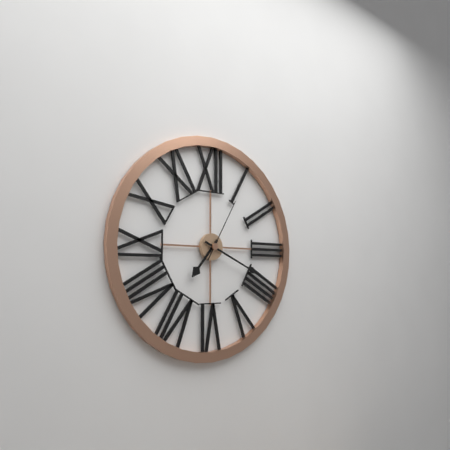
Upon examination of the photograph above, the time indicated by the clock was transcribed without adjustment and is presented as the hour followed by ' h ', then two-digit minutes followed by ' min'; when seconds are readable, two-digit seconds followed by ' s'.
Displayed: 7 h 19 min 05 s
